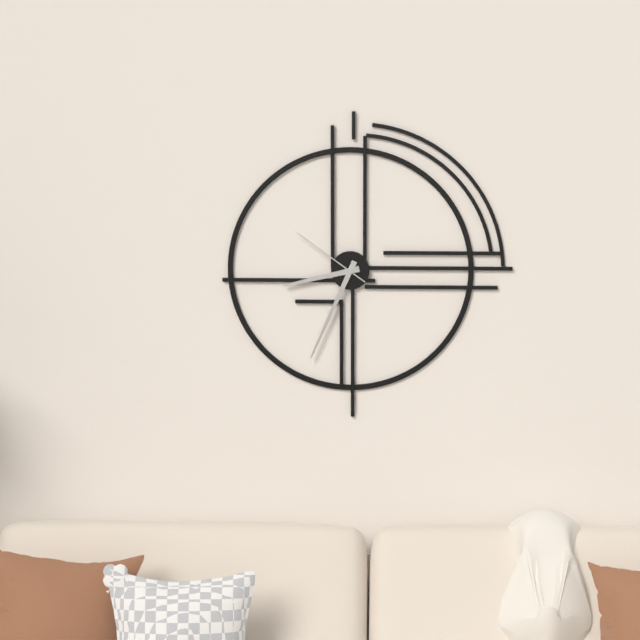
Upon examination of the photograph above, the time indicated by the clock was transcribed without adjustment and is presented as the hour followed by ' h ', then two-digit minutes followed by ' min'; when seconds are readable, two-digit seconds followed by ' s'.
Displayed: 8 h 34 min 51 s
